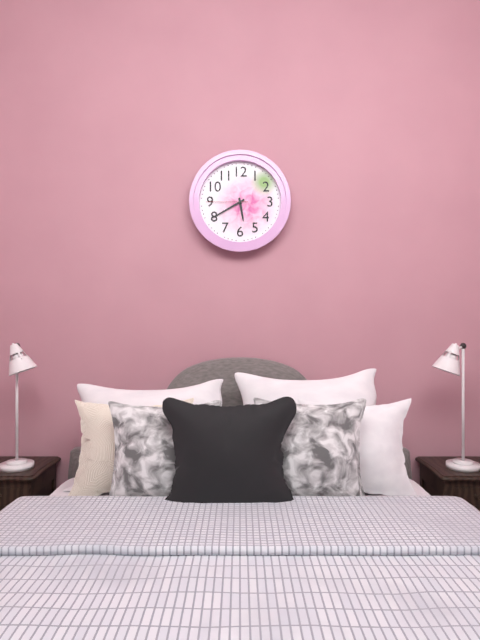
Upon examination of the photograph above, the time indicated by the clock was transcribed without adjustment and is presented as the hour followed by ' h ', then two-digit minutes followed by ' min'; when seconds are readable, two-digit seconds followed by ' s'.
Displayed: 5 h 40 min
